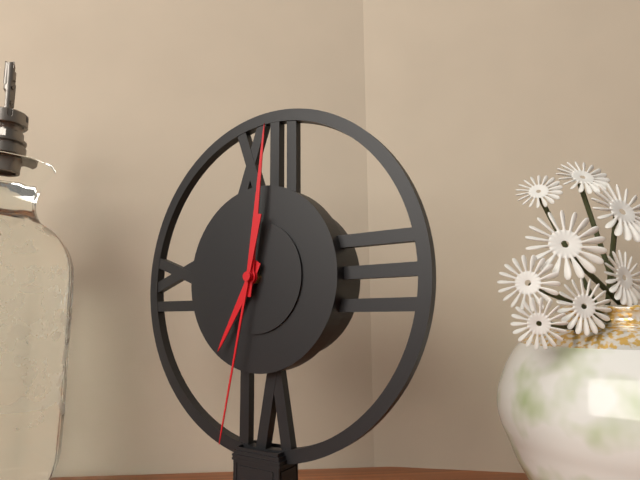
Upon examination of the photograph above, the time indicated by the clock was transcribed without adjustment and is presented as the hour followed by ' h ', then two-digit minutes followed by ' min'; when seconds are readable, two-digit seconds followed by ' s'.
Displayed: 7 h 01 min 32 s
